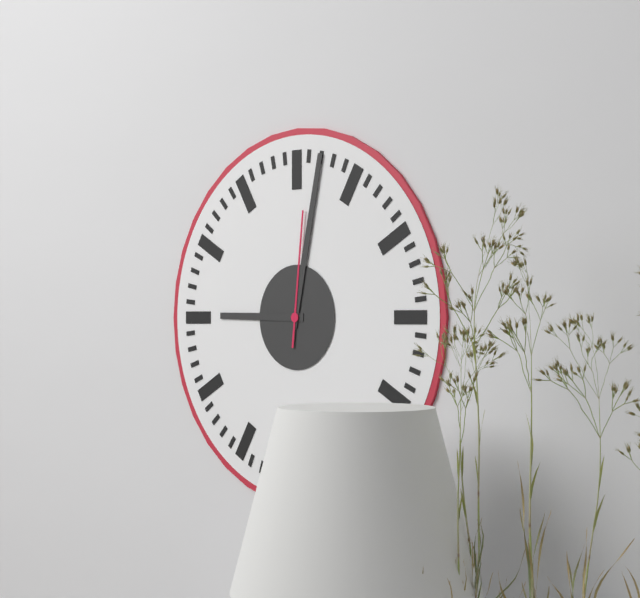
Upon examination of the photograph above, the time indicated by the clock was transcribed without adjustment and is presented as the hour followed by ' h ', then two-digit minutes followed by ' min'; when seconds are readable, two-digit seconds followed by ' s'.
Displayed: 9 h 02 min 01 s
